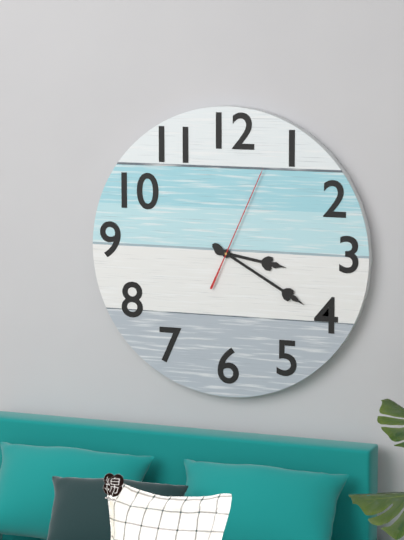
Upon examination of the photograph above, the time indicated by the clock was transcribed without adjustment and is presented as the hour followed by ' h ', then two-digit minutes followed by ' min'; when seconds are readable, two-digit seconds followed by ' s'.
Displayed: 3 h 20 min 04 s
